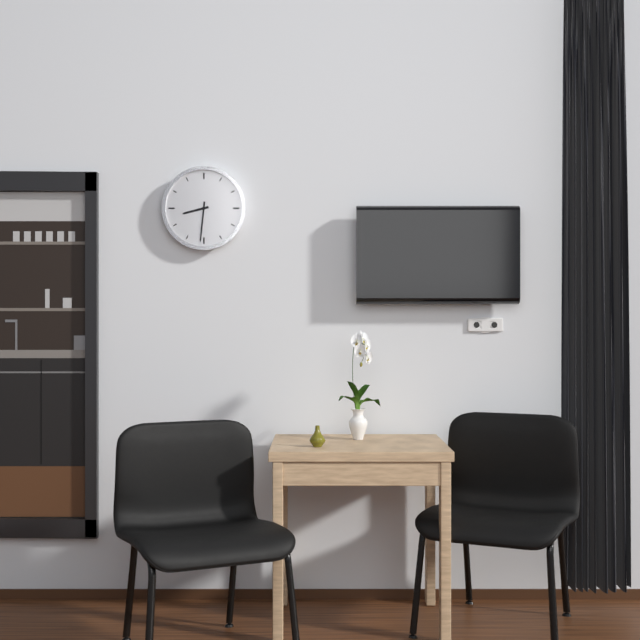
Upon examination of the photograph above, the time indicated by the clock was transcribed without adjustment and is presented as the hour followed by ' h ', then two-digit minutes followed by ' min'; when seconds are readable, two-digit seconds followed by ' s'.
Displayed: 8 h 31 min
